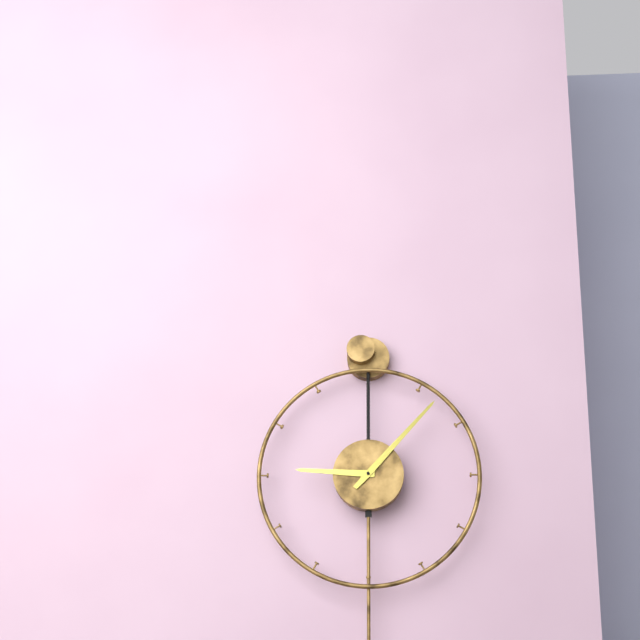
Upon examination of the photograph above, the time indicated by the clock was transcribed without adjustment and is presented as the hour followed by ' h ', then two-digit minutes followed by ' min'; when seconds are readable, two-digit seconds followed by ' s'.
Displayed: 9 h 07 min
